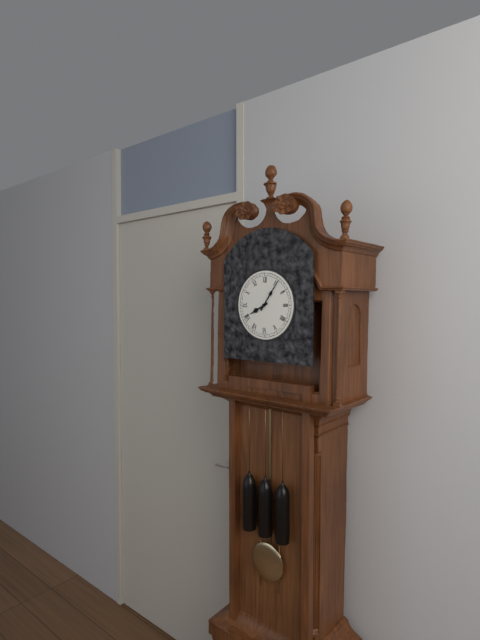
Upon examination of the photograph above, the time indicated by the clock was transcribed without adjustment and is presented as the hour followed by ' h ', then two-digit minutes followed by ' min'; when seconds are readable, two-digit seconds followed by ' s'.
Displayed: 8 h 06 min
